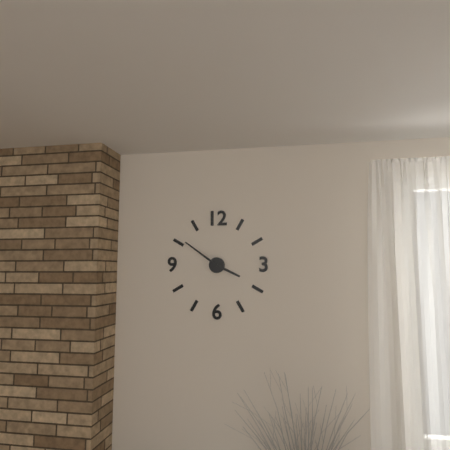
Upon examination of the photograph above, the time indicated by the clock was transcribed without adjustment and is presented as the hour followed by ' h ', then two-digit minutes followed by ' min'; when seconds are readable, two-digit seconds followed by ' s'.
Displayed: 3 h 51 min
